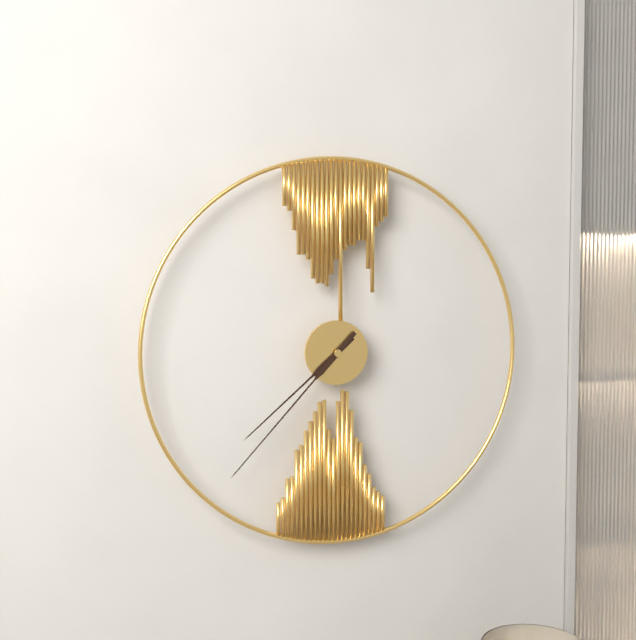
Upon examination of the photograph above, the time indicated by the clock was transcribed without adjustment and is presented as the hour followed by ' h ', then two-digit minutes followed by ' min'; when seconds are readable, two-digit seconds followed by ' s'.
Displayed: 7 h 37 min
